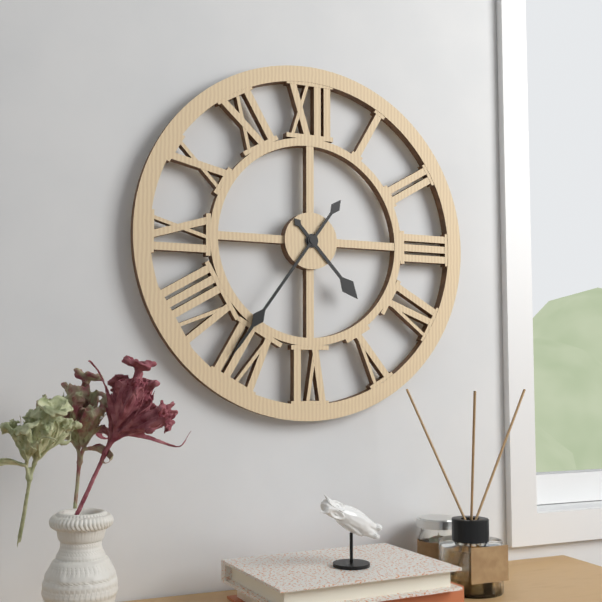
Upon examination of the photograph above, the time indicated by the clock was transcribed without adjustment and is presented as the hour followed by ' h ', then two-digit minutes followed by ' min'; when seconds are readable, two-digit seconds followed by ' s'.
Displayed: 4 h 36 min
